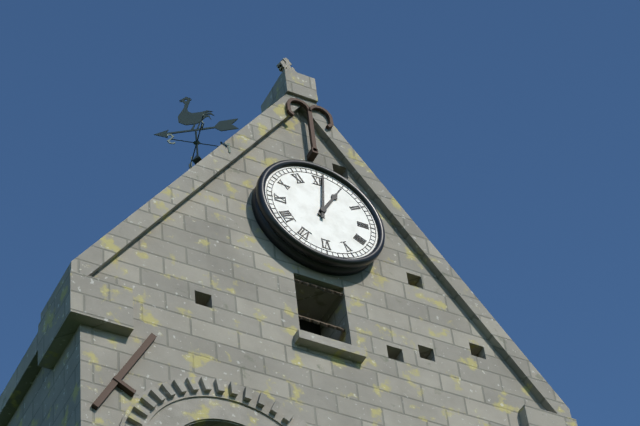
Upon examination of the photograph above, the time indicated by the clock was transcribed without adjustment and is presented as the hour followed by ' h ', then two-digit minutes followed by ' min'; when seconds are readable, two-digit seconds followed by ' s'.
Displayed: 1 h 01 min
